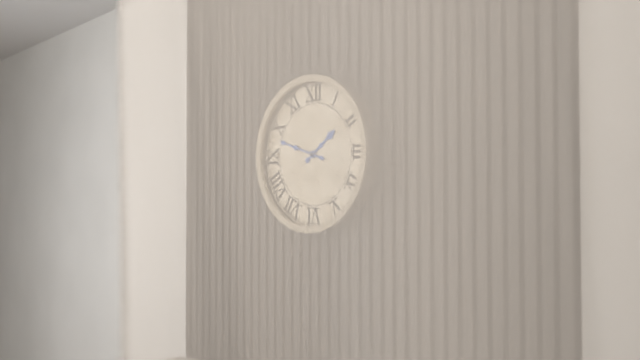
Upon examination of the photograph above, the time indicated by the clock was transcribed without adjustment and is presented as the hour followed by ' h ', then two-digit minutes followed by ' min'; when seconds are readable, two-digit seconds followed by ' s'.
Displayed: 1 h 48 min
